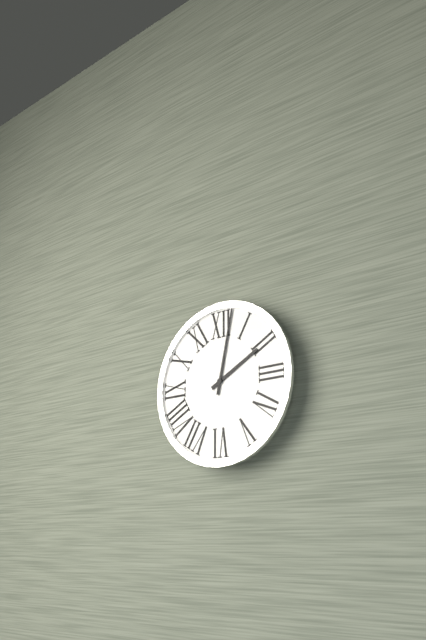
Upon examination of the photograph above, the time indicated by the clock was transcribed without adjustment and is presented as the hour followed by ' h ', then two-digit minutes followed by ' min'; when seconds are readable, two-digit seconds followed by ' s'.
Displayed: 2 h 02 min
